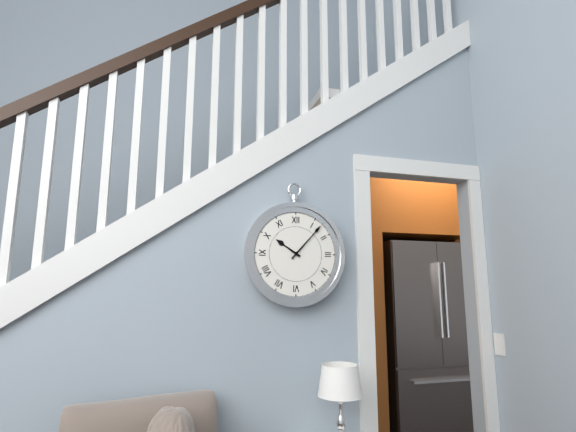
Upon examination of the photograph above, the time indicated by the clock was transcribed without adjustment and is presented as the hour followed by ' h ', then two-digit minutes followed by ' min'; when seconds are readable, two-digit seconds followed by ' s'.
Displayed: 10 h 07 min
